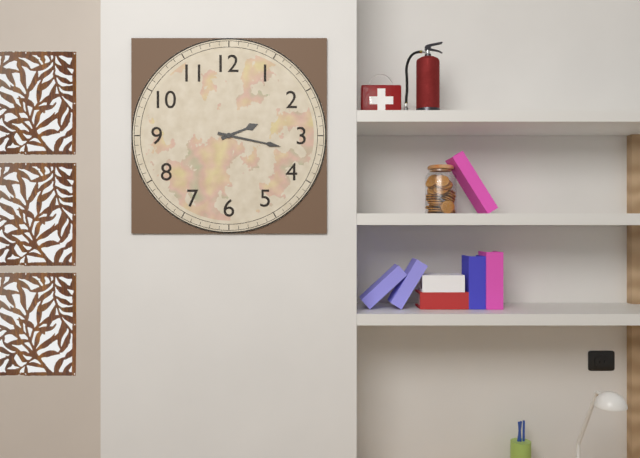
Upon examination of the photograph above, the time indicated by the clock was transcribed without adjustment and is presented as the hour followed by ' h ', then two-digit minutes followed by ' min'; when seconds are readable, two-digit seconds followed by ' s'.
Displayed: 2 h 17 min
